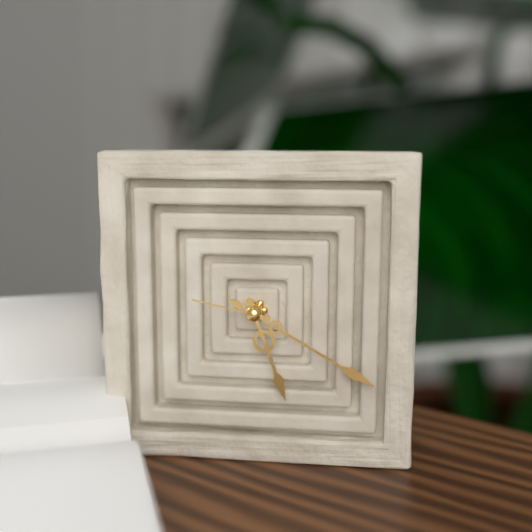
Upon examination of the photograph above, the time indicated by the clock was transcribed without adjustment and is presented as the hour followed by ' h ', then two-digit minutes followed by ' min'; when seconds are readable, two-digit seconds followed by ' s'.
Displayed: 5 h 20 min 47 s
